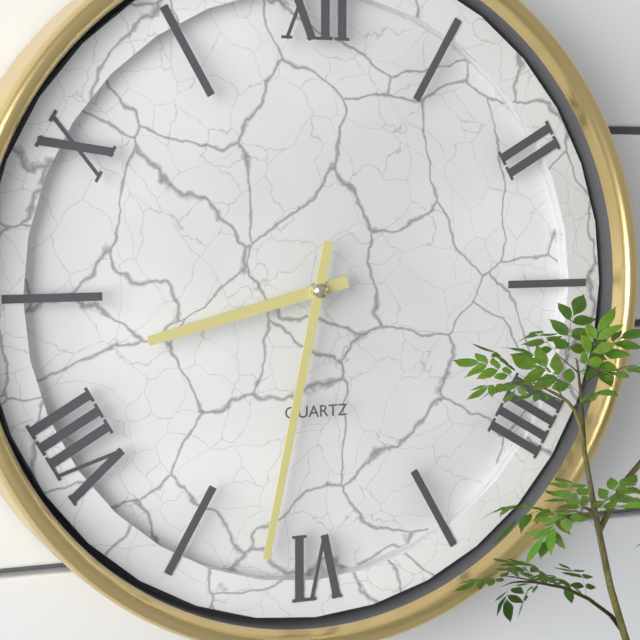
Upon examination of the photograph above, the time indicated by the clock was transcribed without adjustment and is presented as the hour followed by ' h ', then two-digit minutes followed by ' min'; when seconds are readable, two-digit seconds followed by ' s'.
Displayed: 8 h 32 min
